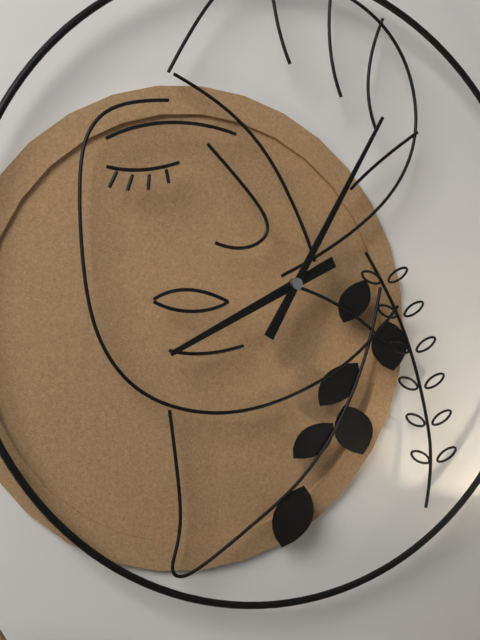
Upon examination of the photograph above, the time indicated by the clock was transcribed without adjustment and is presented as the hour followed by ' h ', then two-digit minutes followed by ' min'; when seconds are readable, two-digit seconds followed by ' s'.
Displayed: 8 h 05 min
